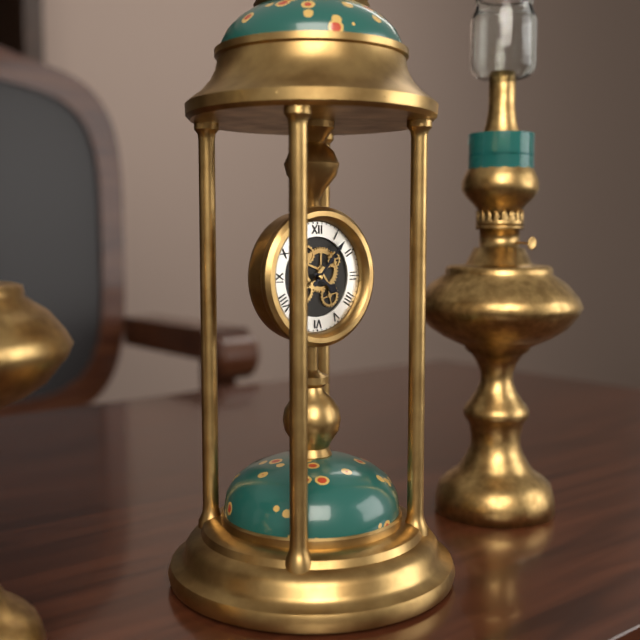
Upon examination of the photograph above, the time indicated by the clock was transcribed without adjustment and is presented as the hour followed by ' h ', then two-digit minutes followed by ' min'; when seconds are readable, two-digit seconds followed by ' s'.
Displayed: 4 h 07 min
